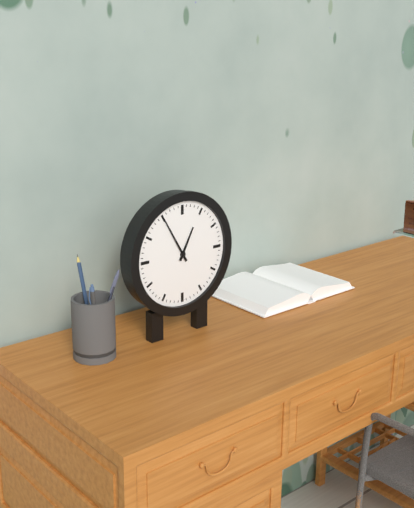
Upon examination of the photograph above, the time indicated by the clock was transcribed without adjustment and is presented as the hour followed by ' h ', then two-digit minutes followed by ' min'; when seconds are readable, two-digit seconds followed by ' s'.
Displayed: 12 h 55 min
